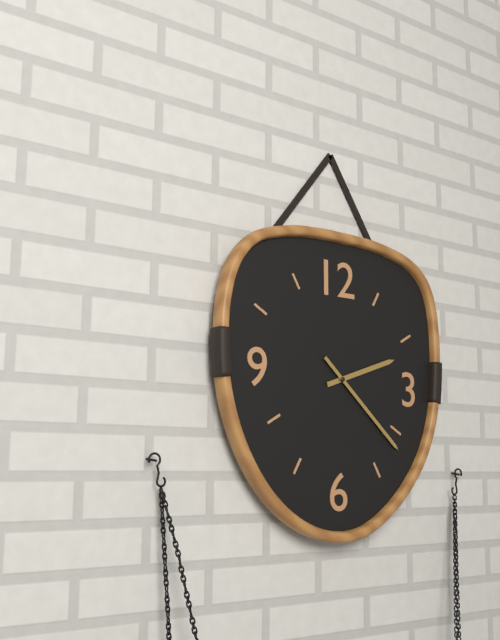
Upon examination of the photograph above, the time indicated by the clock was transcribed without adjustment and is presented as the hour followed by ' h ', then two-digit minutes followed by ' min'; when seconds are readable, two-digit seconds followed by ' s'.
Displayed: 2 h 22 min
